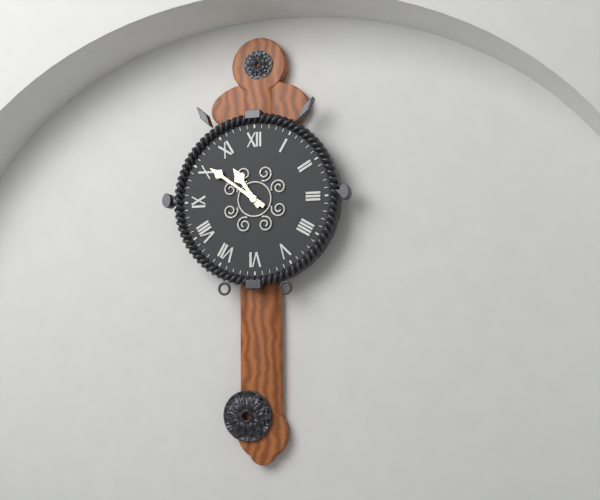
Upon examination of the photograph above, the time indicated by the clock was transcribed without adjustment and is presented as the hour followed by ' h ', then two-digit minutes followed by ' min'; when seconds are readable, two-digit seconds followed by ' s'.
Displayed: 10 h 51 min
